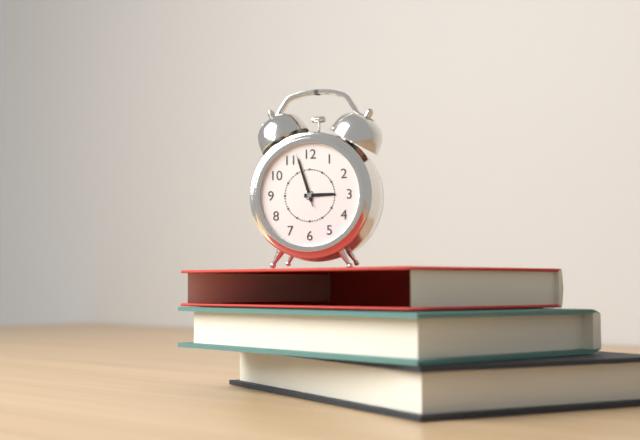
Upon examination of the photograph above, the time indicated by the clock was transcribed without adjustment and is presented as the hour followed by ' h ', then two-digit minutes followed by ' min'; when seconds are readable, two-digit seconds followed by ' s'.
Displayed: 2 h 57 min 57 s
